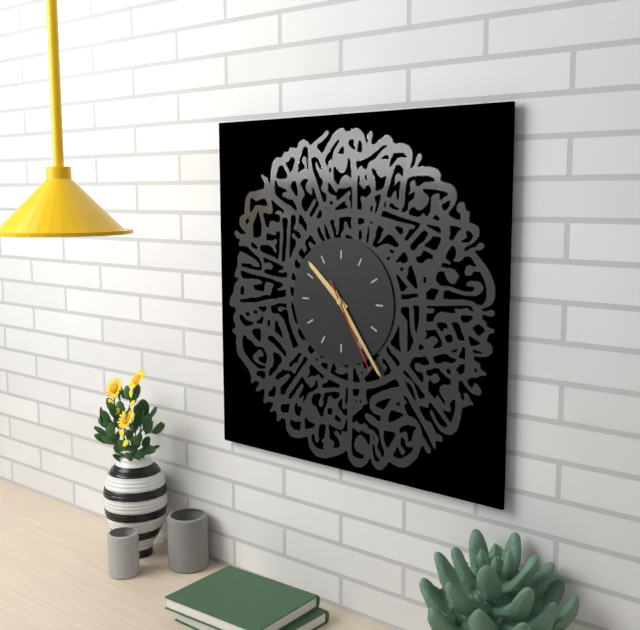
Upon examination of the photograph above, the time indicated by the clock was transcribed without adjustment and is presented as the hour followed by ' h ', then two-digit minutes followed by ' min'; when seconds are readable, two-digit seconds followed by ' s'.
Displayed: 10 h 24 min 25 s
